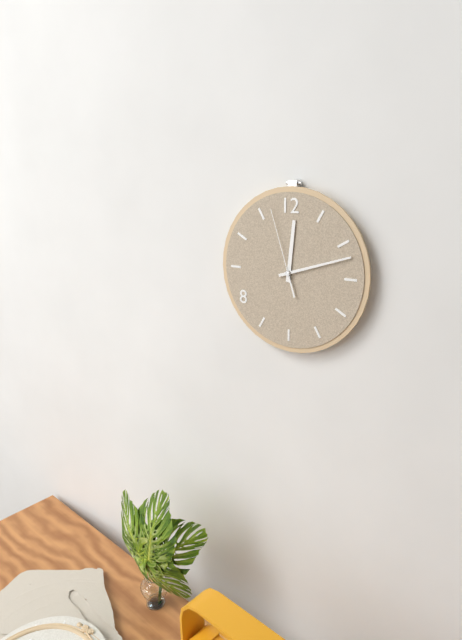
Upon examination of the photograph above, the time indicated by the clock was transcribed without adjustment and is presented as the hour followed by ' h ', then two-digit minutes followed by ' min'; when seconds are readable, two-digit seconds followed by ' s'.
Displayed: 12 h 12 min 57 s
